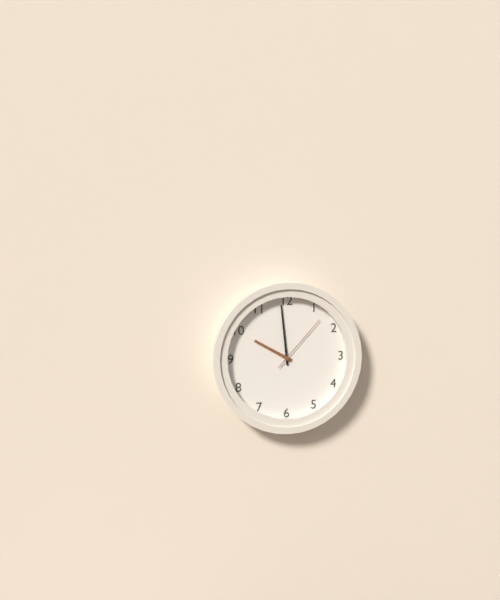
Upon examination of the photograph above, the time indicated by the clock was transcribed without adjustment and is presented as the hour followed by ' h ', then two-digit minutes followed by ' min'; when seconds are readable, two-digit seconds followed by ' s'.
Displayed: 9 h 59 min 07 s
